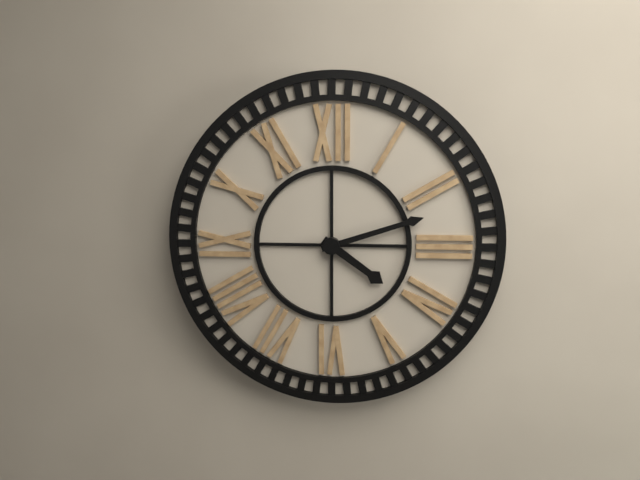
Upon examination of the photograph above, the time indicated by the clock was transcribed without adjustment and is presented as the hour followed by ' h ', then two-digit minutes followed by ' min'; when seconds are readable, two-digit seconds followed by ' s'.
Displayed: 4 h 12 min
